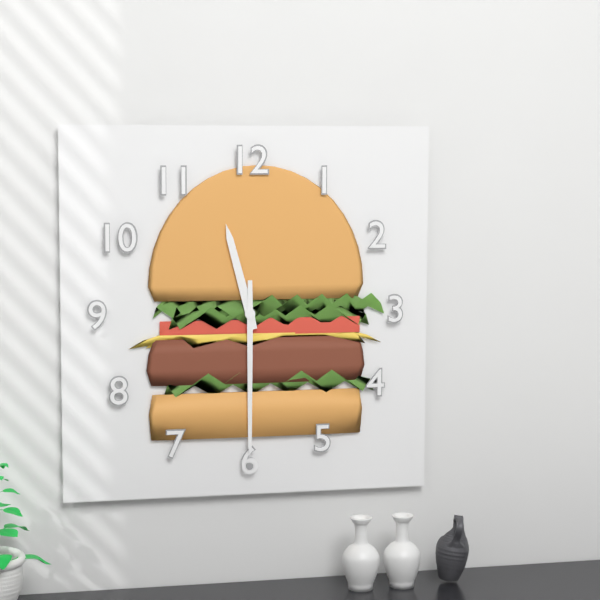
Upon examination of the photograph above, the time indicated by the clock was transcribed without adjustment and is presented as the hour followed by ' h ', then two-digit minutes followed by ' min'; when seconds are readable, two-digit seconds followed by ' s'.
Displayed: 11 h 30 min
